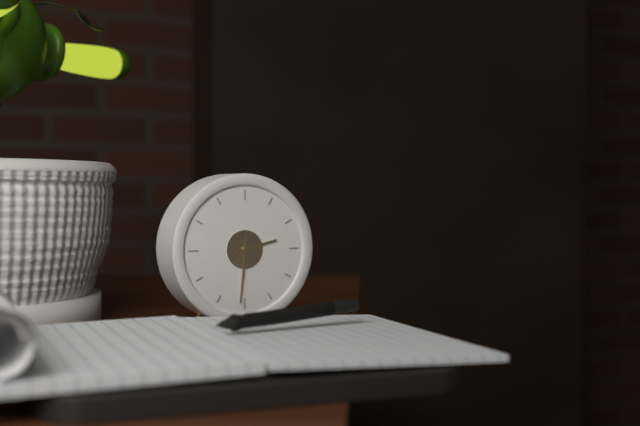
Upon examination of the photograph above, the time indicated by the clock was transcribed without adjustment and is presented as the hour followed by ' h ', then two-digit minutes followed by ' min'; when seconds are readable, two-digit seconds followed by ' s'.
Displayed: 2 h 31 min
